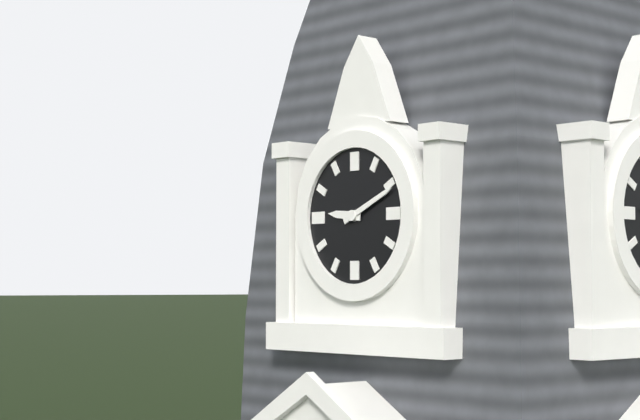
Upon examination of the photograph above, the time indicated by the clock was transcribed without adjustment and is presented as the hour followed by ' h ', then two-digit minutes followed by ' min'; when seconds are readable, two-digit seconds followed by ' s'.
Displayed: 9 h 11 min
